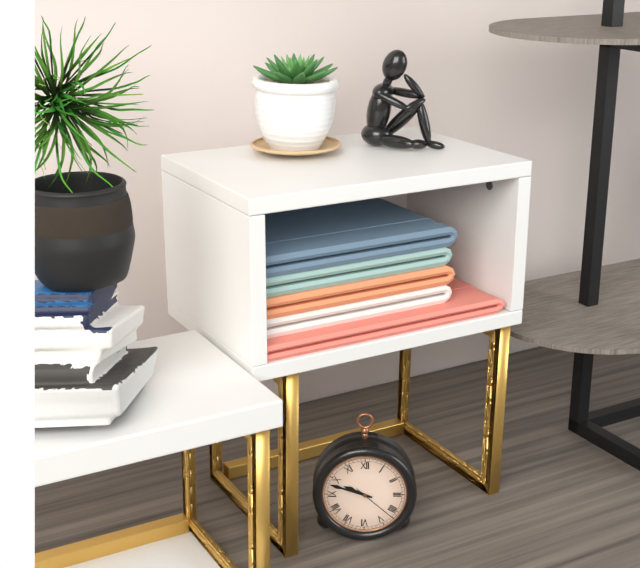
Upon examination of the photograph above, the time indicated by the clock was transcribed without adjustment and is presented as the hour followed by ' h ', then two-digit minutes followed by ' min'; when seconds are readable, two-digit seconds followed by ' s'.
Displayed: 9 h 48 min
